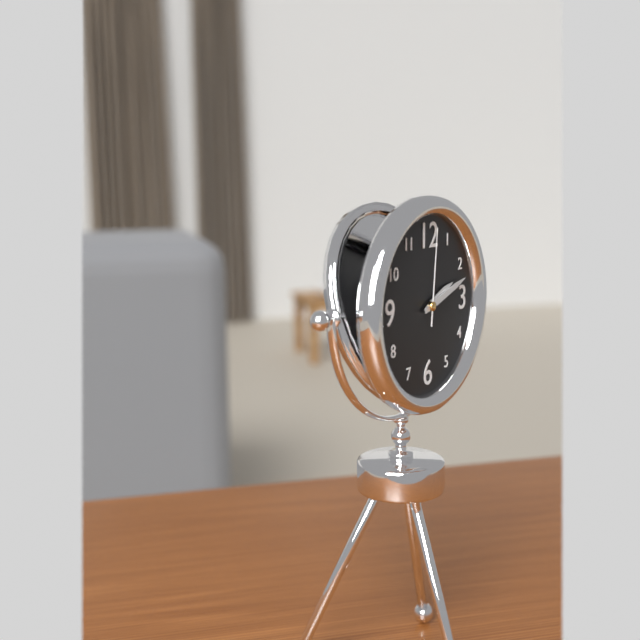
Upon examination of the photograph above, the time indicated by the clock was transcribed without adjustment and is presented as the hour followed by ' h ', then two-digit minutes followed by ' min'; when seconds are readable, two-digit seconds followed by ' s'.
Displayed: 2 h 12 min 01 s
